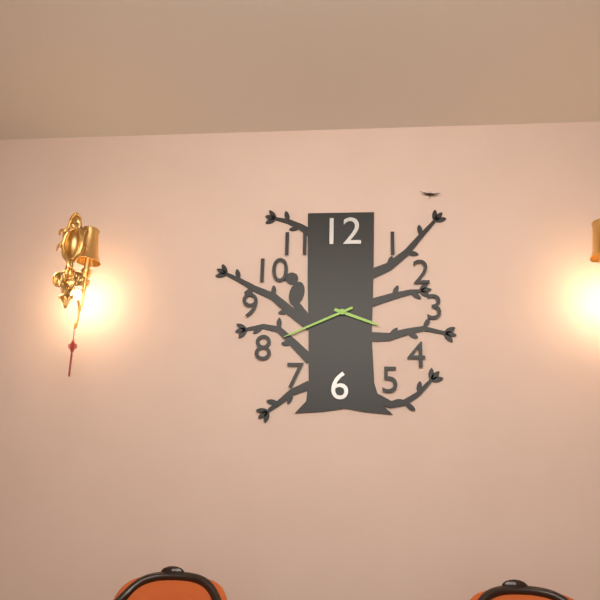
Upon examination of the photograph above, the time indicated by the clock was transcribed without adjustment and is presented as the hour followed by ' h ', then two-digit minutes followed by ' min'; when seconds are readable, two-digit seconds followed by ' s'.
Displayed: 3 h 41 min
